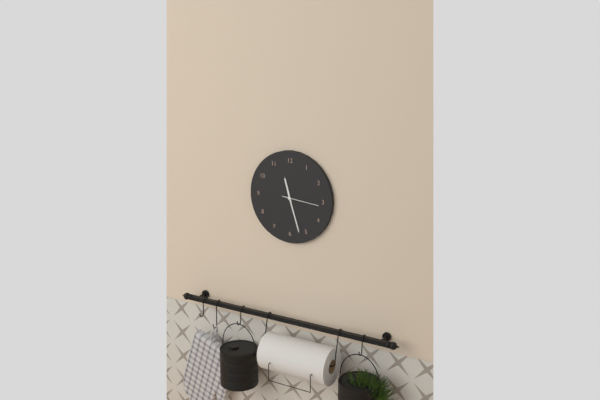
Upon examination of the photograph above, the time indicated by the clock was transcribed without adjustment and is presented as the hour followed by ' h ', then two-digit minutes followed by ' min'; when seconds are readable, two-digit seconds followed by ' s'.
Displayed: 11 h 27 min
